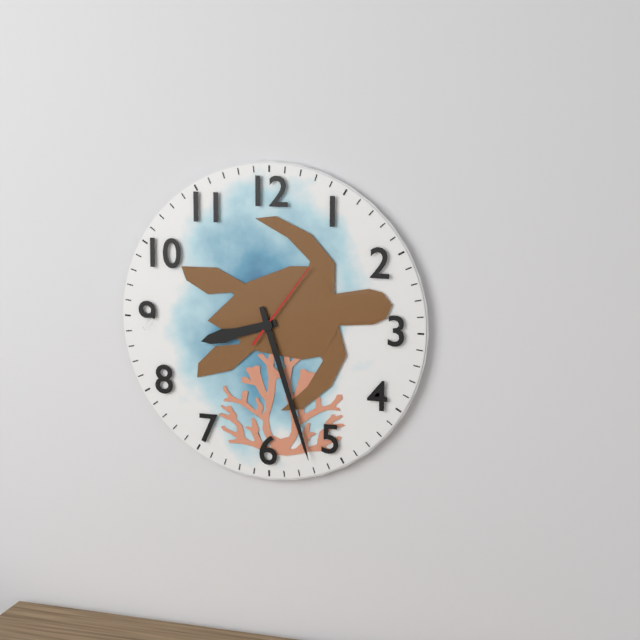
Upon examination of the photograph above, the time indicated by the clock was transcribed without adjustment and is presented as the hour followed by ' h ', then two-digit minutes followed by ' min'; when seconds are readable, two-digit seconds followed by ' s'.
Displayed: 8 h 27 min 06 s
